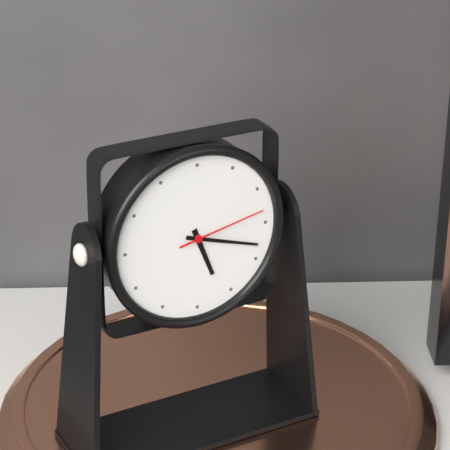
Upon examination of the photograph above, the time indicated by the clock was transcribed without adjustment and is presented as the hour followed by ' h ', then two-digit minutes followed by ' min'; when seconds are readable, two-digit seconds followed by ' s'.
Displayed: 5 h 18 min 13 s
